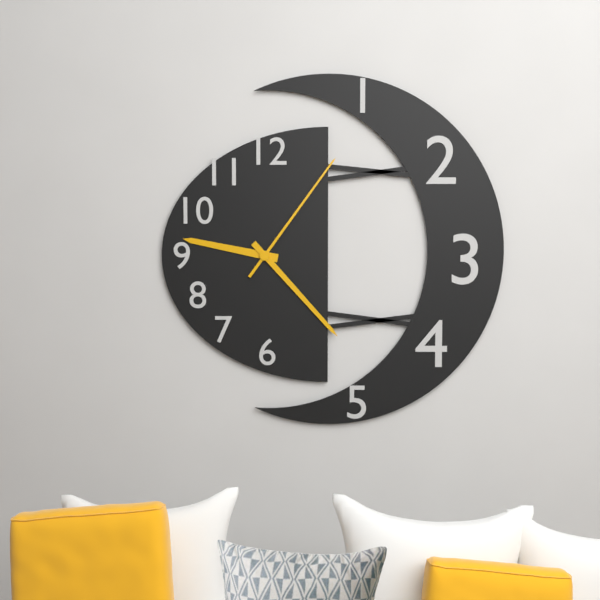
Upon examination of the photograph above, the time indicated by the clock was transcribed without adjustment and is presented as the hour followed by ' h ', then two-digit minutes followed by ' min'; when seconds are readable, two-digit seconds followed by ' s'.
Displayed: 9 h 23 min 06 s
